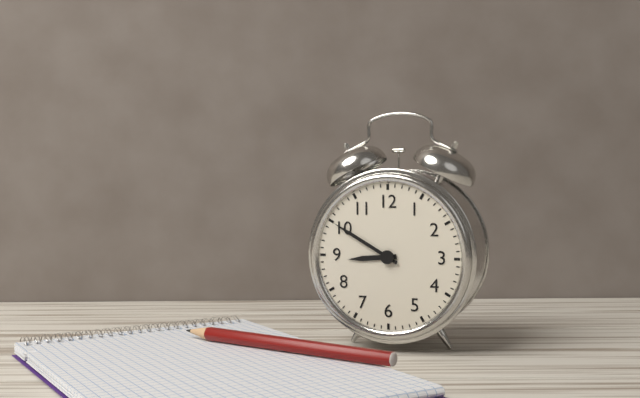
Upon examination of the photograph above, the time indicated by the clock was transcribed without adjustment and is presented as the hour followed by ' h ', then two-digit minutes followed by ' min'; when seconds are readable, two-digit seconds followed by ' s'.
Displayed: 8 h 50 min
